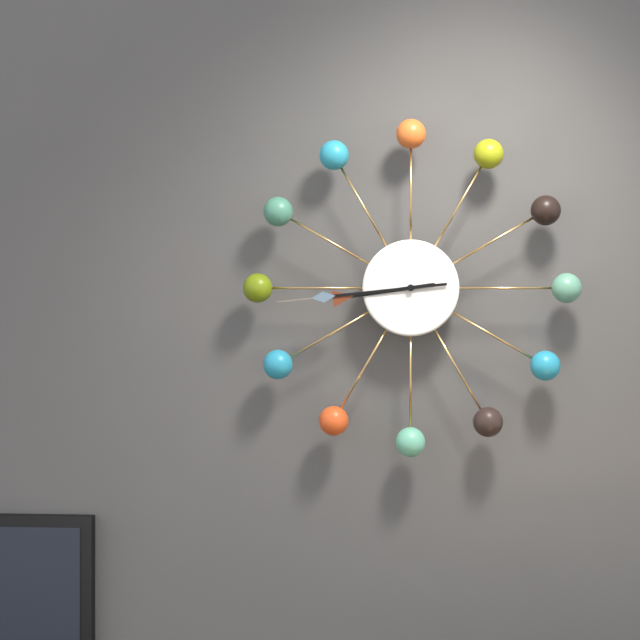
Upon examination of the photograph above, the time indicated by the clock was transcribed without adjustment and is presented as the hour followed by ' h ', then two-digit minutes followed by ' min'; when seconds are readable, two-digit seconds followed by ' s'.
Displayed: 8 h 44 min
